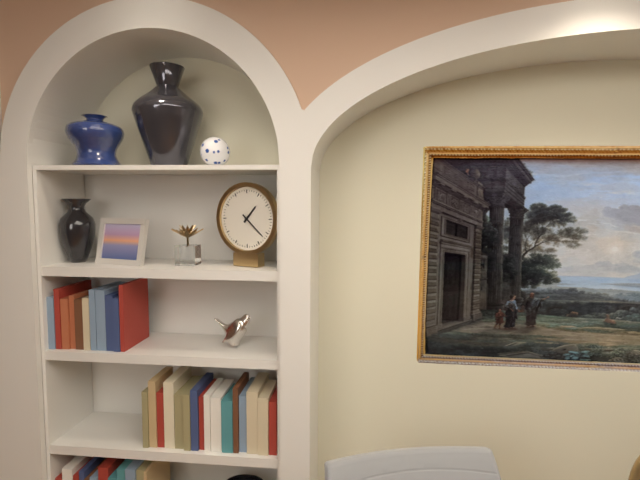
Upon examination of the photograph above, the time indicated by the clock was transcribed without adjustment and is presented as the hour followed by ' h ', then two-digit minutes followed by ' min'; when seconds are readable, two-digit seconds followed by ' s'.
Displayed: 1 h 22 min
